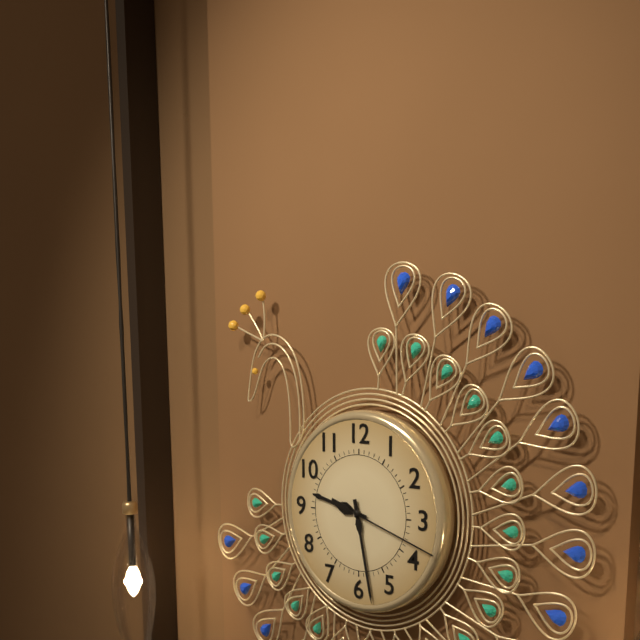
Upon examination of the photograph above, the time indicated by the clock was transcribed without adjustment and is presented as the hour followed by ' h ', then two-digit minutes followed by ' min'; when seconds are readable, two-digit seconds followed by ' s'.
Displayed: 9 h 28 min 18 s
